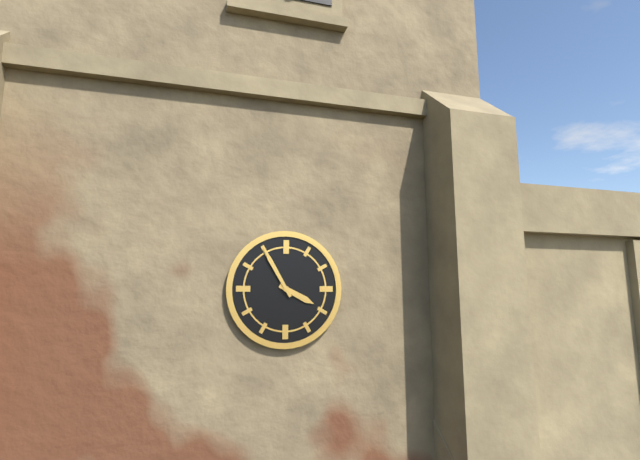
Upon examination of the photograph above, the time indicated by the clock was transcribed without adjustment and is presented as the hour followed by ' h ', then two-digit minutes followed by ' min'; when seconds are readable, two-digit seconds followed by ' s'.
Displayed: 3 h 55 min
